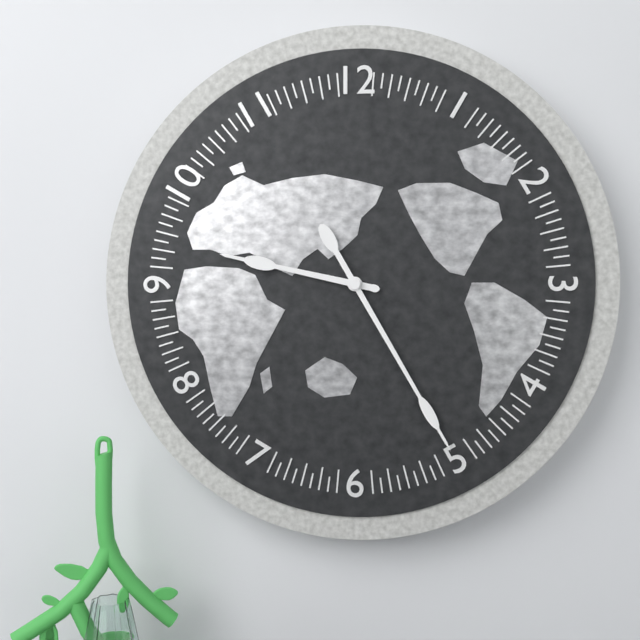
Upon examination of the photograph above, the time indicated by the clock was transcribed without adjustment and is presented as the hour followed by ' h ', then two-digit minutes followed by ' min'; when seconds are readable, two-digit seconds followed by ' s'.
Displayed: 9 h 25 min
